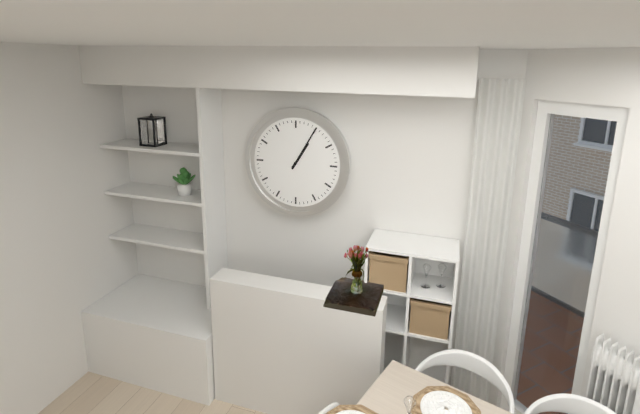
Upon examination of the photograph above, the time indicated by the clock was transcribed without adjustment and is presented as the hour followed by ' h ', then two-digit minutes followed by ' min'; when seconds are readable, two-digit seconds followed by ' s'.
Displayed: 1 h 05 min
